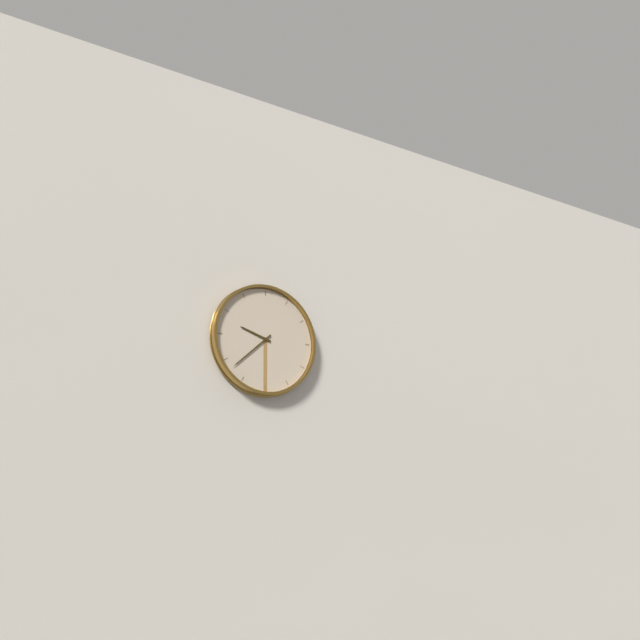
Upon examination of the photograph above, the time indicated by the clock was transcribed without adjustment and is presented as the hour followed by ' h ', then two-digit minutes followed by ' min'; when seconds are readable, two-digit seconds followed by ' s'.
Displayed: 9 h 38 min
